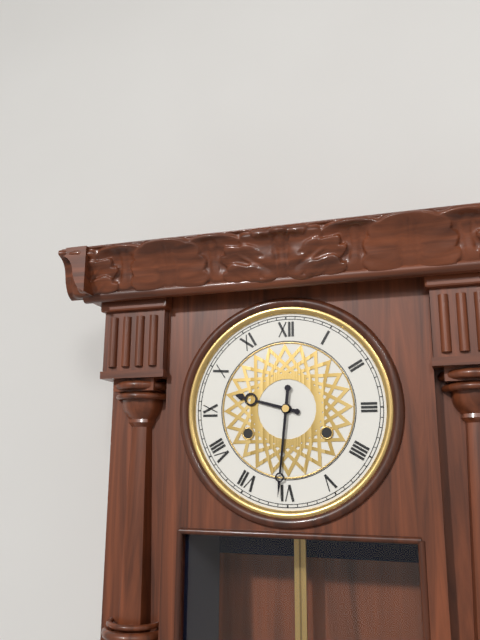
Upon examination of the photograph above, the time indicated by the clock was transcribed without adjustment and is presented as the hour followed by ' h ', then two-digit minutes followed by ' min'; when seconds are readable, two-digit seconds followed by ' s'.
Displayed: 9 h 31 min
